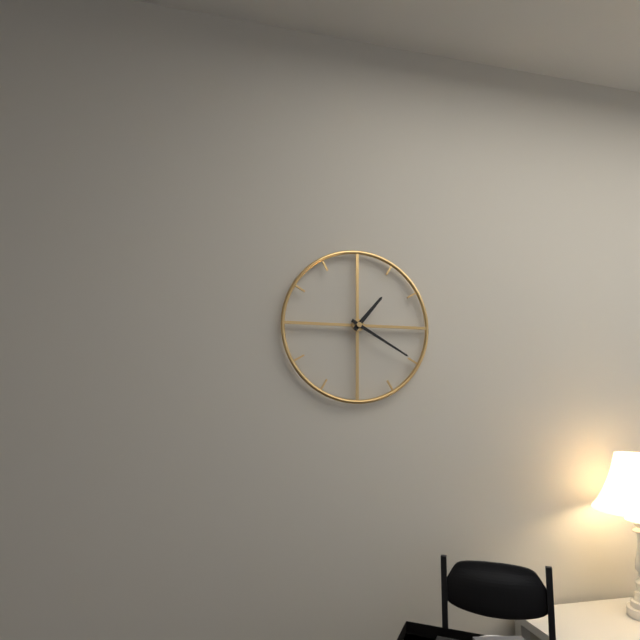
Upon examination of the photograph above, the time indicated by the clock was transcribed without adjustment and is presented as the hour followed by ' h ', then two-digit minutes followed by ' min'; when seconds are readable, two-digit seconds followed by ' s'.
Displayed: 1 h 20 min
